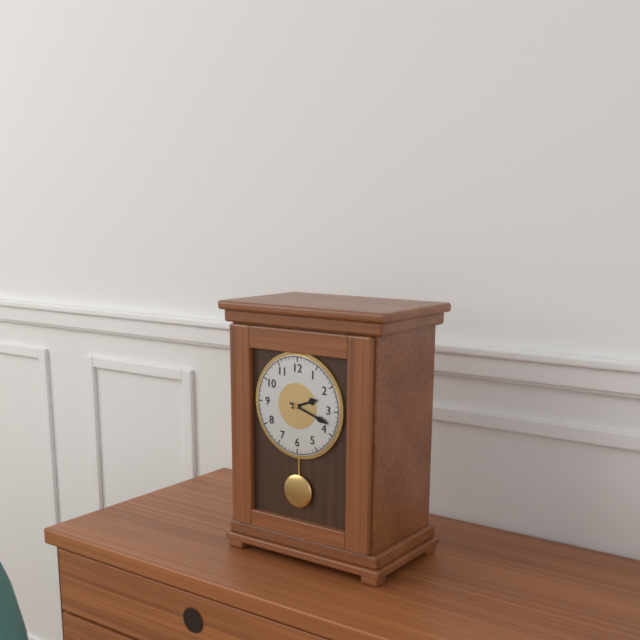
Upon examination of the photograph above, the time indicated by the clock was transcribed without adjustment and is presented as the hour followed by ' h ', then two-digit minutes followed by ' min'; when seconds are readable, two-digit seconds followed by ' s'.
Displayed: 2 h 18 min
